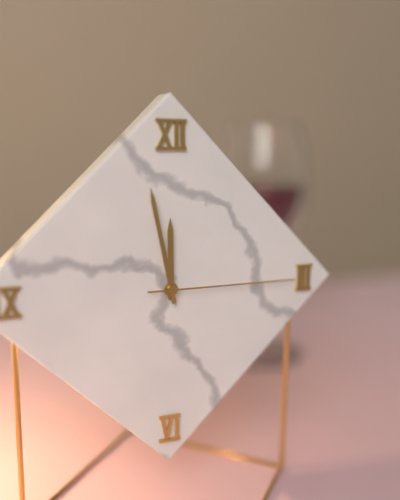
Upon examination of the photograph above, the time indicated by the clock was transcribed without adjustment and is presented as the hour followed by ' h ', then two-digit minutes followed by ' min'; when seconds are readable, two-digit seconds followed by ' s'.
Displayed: 11 h 58 min 15 s
